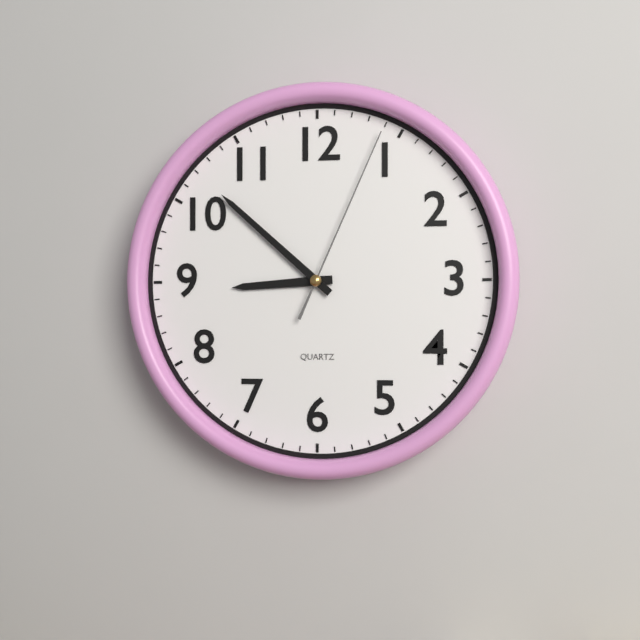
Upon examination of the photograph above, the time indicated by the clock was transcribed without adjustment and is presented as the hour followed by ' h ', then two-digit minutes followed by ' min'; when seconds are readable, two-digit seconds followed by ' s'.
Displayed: 8 h 52 min 04 s
